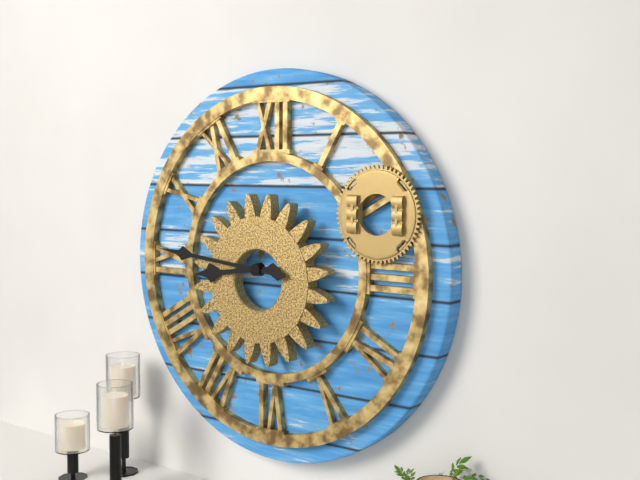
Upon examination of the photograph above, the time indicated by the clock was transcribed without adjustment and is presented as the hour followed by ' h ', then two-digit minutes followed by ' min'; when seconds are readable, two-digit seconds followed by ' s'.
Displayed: 8 h 46 min
